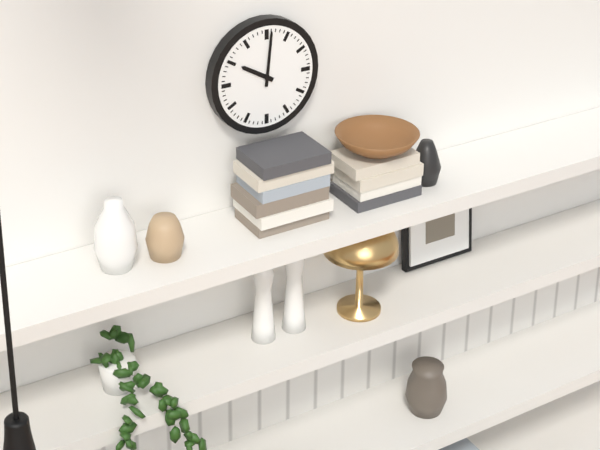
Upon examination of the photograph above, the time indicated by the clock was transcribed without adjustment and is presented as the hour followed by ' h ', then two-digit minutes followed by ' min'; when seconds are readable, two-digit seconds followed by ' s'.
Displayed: 10 h 01 min
